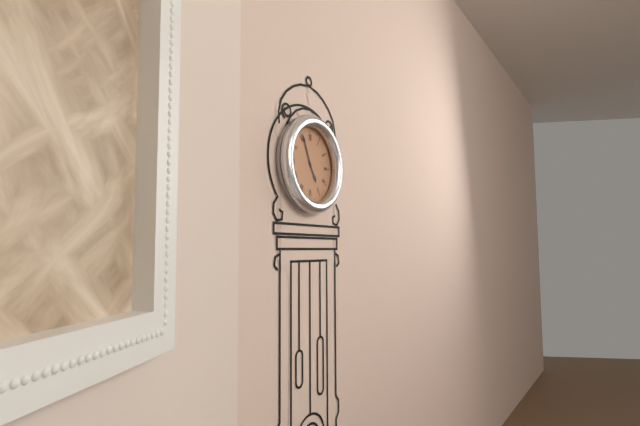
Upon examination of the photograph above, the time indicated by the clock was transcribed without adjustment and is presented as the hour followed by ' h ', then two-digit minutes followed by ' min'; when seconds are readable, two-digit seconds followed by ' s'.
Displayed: 4 h 56 min
